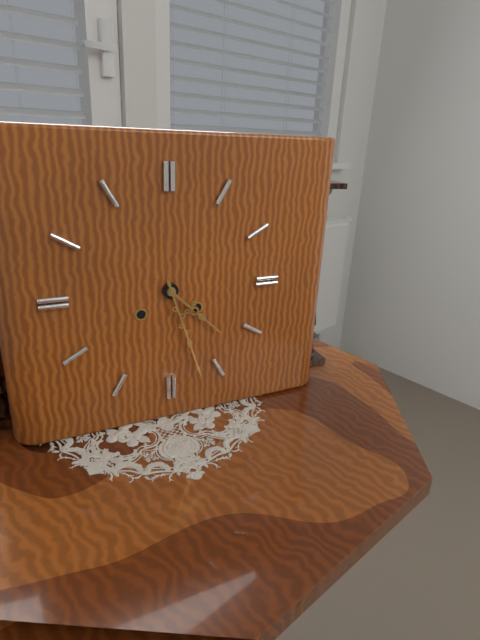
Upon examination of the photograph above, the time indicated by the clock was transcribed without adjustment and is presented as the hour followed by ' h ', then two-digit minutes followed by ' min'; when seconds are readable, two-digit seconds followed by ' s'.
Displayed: 4 h 27 min
